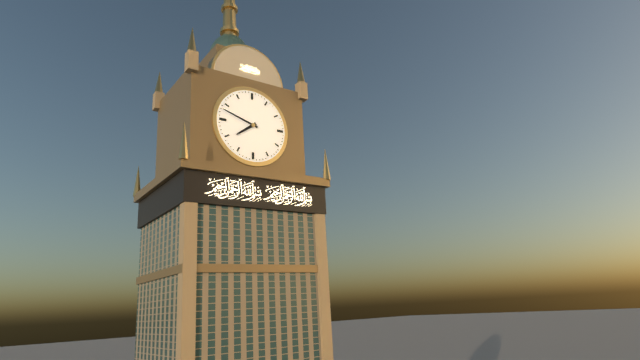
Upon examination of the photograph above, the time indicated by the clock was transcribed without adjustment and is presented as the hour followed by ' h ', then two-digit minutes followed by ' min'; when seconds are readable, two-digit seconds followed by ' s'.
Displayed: 7 h 48 min
